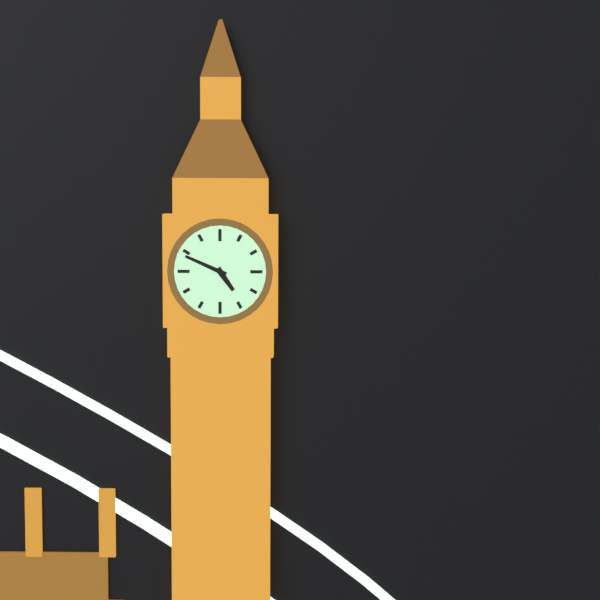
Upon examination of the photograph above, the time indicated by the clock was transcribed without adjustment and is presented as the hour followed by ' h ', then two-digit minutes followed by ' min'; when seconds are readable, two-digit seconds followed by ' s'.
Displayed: 4 h 49 min
